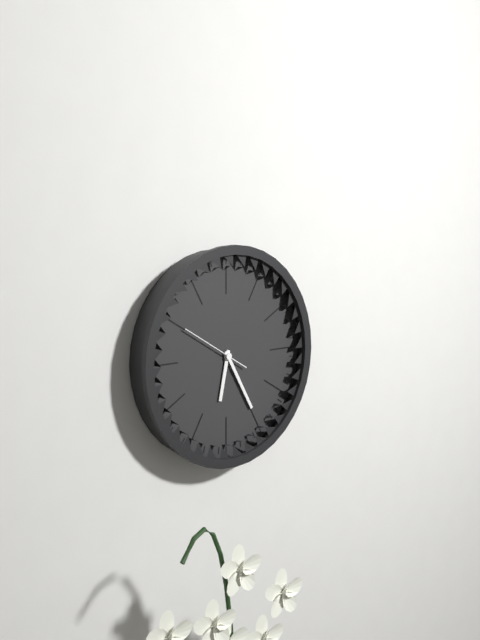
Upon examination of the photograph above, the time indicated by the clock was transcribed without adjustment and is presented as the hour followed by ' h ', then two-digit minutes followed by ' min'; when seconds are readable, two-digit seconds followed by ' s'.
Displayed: 6 h 25 min 50 s
